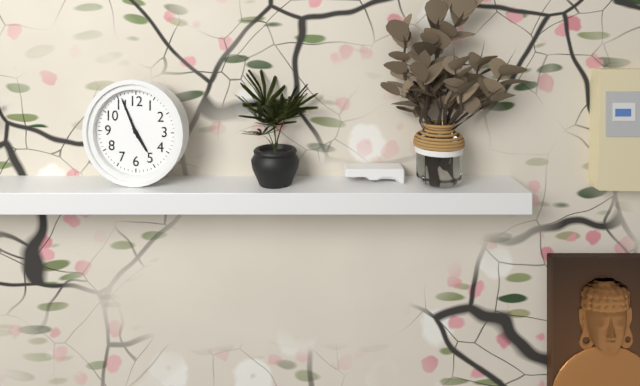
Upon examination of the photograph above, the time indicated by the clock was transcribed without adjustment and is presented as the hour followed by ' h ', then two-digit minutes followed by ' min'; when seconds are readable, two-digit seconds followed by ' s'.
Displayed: 4 h 56 min
